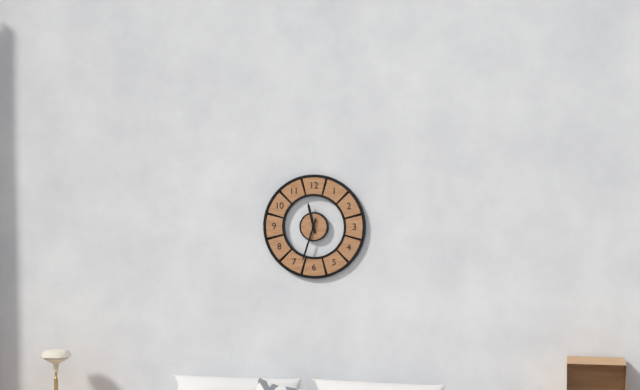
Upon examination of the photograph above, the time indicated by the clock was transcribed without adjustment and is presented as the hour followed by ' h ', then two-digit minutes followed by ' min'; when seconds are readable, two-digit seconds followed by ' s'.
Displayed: 11 h 33 min
